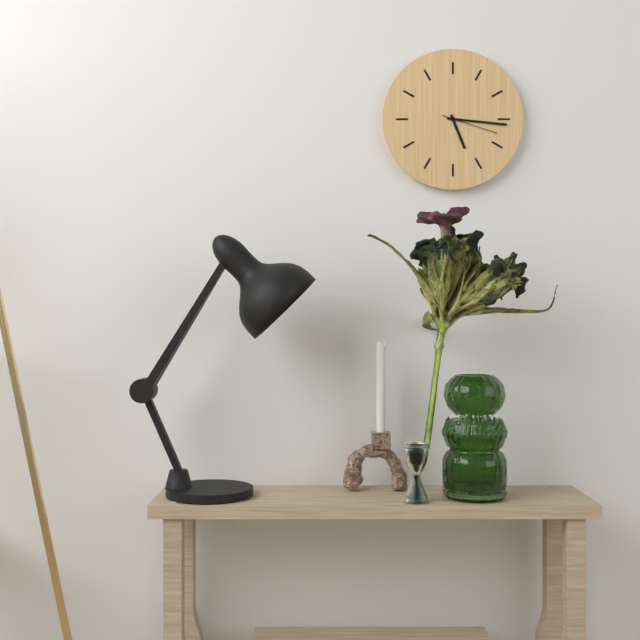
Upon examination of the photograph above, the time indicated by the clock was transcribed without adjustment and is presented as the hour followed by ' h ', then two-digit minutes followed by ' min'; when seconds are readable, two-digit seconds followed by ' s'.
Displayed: 5 h 16 min 18 s
